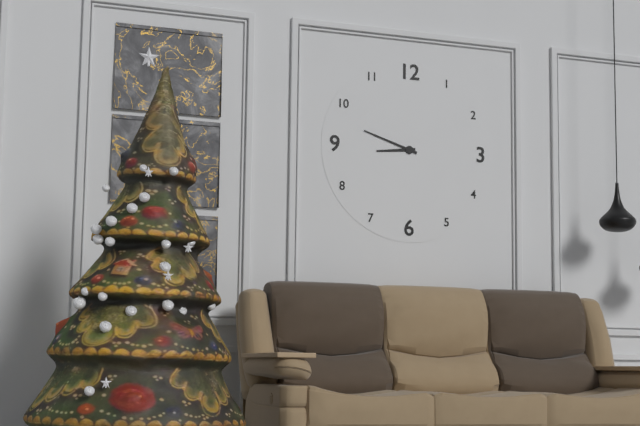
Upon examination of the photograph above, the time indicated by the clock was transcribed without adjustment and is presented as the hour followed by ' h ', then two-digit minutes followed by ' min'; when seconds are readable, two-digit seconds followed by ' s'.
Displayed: 8 h 48 min
